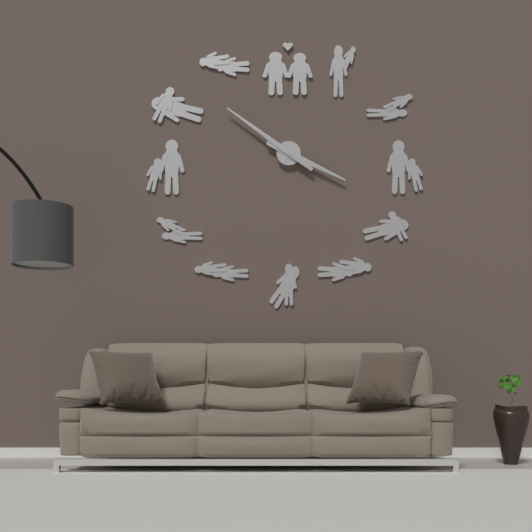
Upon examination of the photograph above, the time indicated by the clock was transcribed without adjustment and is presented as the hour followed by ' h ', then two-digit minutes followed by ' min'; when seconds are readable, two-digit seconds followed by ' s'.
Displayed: 3 h 51 min
